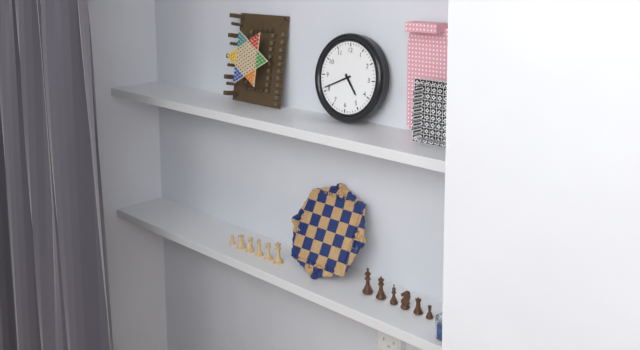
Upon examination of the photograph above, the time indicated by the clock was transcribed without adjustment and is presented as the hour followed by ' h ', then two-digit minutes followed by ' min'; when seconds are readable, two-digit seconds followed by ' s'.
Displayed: 4 h 41 min
